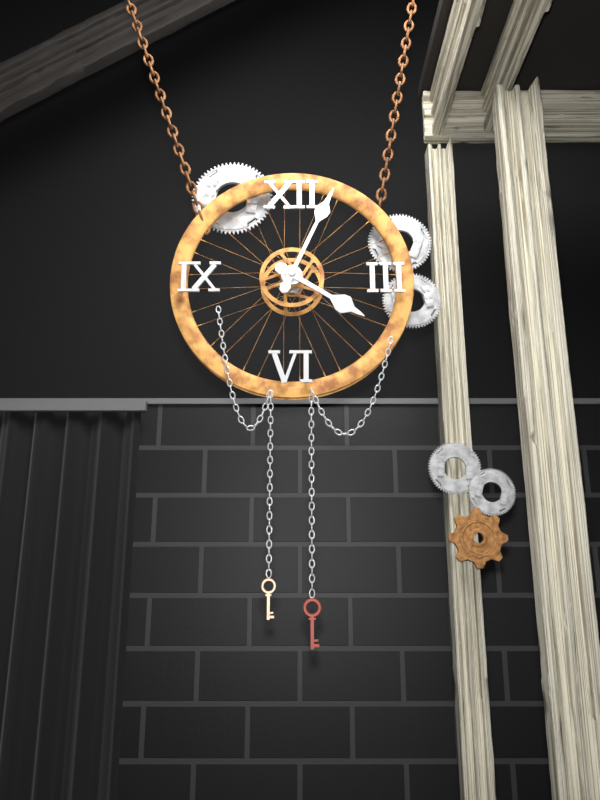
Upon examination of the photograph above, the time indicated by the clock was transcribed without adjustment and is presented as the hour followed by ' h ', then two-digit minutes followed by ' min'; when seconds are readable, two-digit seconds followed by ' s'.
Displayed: 4 h 04 min
